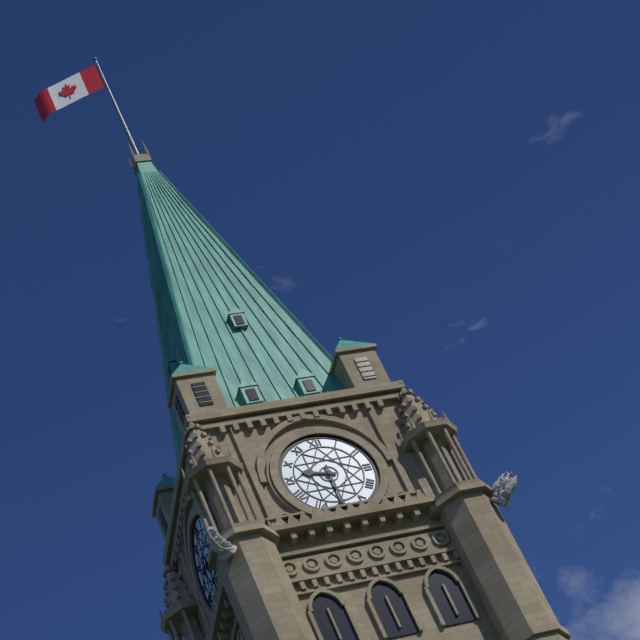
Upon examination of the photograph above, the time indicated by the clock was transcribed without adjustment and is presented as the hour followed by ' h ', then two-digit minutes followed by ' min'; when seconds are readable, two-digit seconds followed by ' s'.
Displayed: 9 h 30 min
